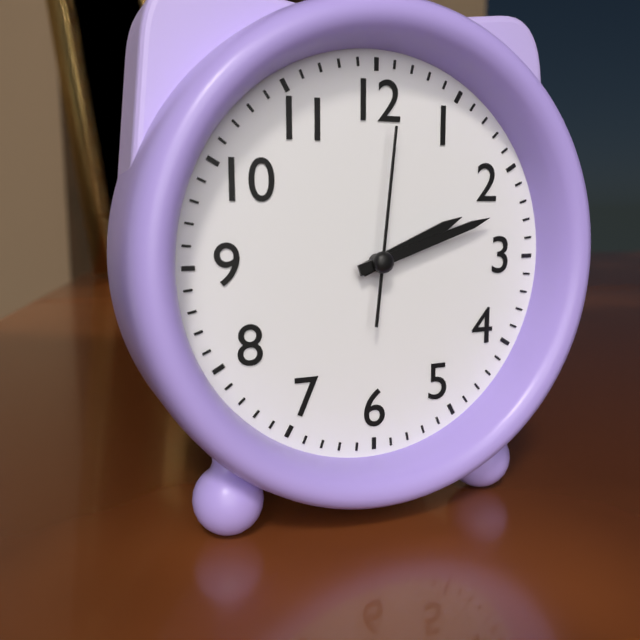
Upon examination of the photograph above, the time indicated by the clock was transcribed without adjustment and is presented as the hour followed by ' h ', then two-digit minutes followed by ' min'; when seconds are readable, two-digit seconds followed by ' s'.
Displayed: 2 h 12 min 01 s
